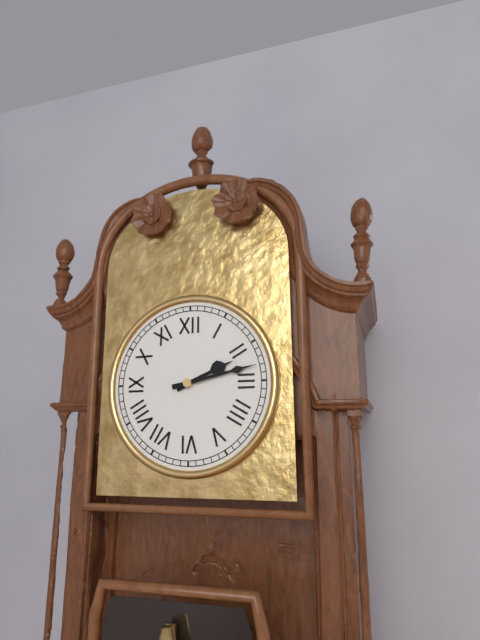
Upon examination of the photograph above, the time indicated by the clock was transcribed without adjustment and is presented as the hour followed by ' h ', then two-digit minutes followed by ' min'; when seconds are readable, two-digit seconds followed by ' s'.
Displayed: 2 h 13 min
